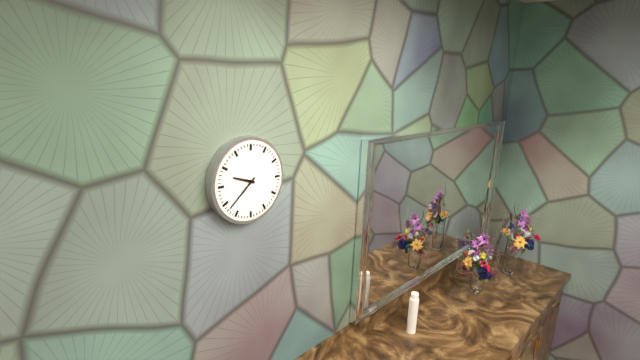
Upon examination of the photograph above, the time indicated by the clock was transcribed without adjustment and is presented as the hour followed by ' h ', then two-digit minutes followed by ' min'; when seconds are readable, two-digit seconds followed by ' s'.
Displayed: 9 h 38 min
